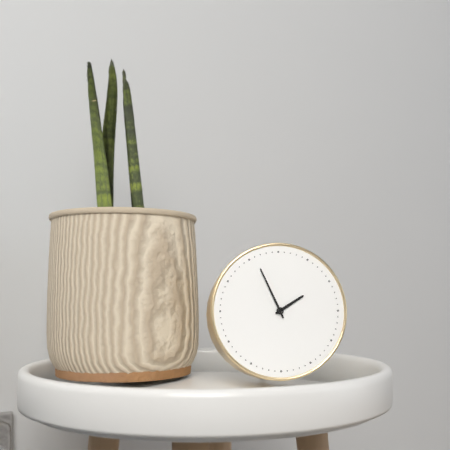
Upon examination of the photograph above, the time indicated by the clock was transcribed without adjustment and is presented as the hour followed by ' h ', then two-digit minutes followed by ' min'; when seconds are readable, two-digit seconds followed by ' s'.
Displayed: 1 h 56 min
